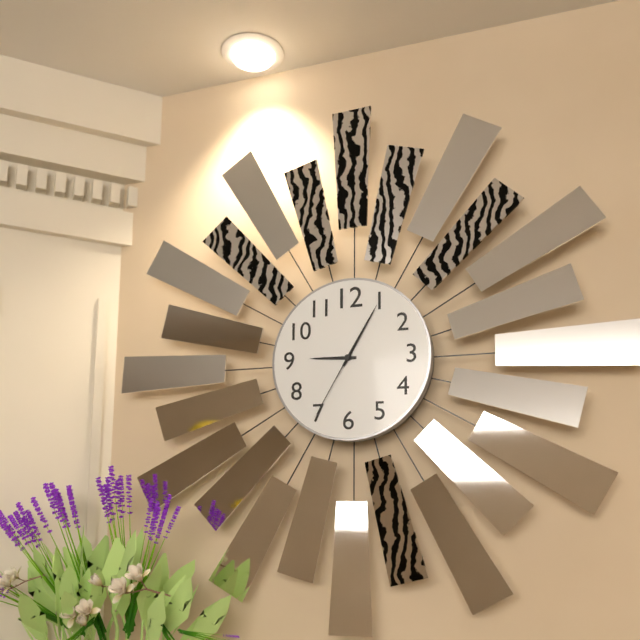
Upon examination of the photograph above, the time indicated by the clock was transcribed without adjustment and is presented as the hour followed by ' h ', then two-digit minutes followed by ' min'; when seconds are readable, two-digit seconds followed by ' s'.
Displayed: 9 h 05 min 35 s
